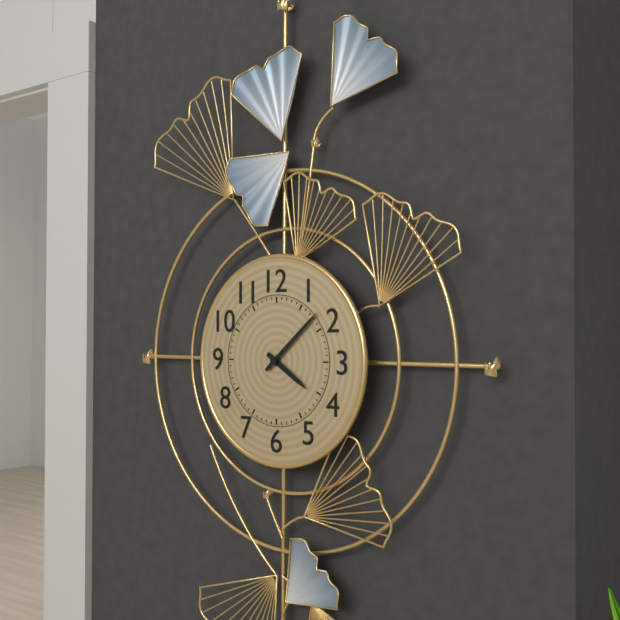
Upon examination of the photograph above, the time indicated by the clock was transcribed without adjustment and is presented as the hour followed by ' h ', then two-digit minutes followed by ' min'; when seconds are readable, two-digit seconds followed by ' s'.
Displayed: 4 h 08 min
